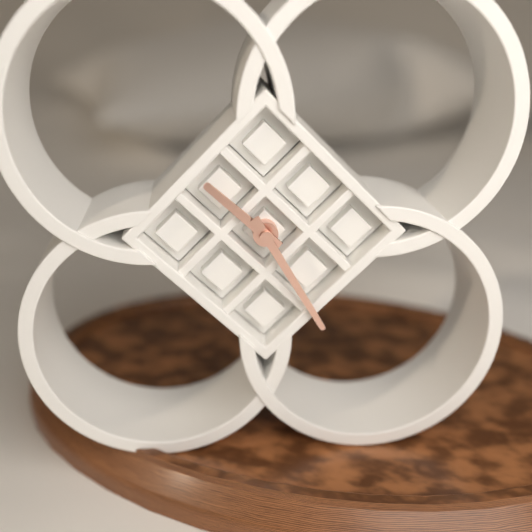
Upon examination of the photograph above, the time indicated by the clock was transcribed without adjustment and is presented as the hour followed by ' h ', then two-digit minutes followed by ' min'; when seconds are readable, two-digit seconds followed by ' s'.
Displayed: 10 h 25 min
